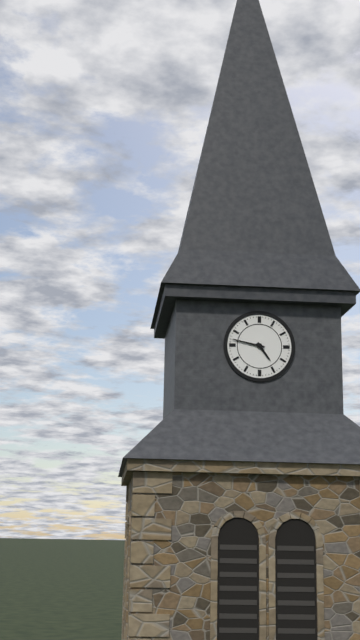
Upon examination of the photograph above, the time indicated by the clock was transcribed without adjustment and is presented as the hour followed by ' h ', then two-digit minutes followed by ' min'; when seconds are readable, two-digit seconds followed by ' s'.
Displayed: 4 h 47 min
